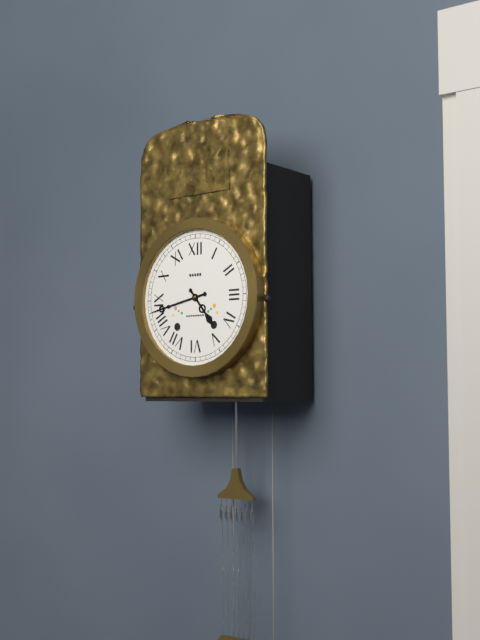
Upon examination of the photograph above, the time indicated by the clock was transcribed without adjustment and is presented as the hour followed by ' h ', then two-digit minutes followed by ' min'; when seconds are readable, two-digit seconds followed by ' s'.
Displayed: 4 h 43 min
